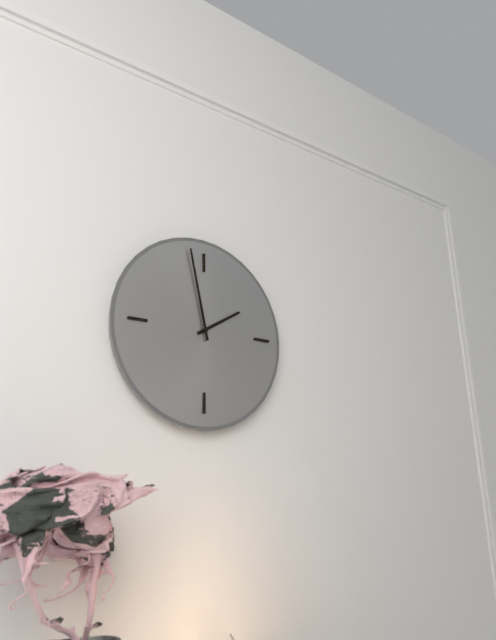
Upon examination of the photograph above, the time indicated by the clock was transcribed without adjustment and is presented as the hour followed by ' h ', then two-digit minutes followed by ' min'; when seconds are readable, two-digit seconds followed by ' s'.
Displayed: 1 h 58 min
